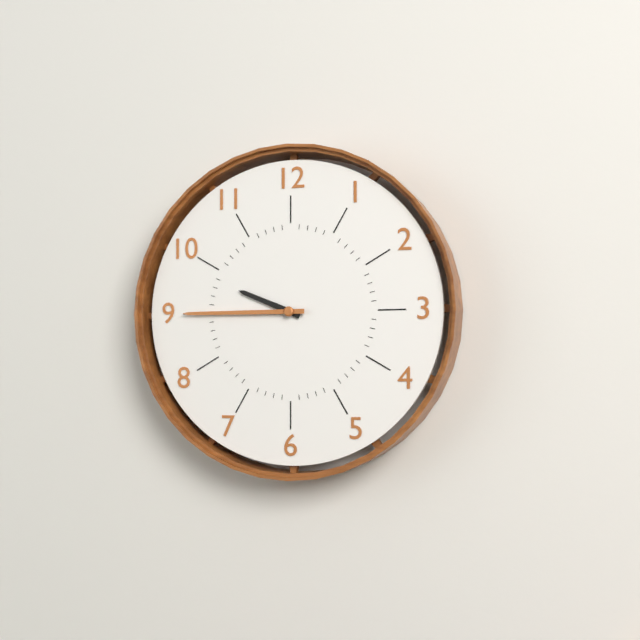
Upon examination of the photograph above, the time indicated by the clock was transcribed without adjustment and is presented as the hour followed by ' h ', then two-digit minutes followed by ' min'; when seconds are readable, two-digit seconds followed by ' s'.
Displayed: 9 h 45 min
